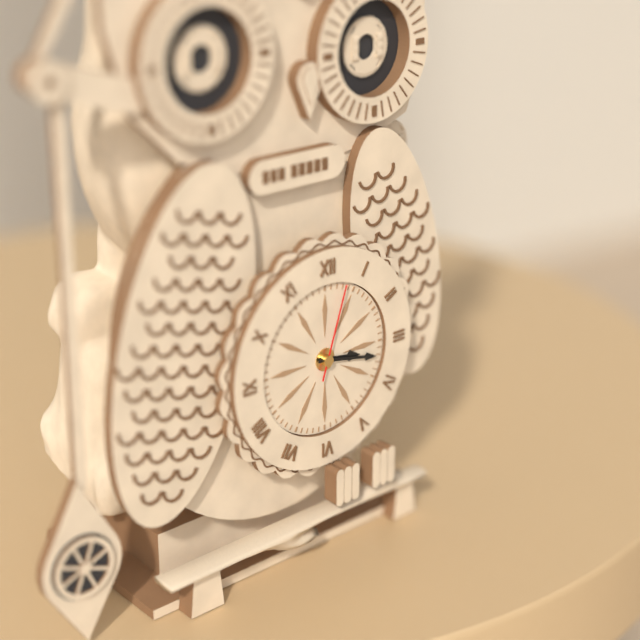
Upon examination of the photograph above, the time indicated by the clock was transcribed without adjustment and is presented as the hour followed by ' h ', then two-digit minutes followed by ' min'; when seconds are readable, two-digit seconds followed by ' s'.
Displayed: 3 h 17 min 03 s
